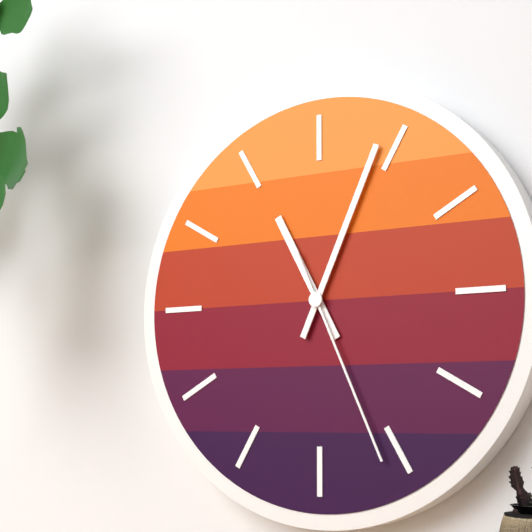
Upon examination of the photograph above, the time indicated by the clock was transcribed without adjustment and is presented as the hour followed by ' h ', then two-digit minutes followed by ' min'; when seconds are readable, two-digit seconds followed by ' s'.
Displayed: 11 h 04 min 26 s
